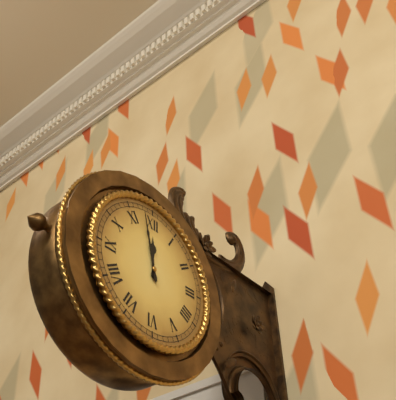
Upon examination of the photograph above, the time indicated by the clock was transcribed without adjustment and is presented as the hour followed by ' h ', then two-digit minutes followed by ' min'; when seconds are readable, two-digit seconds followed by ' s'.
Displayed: 11 h 58 min
